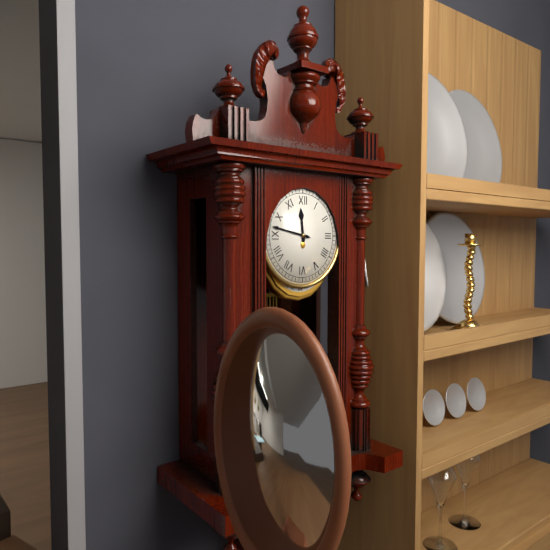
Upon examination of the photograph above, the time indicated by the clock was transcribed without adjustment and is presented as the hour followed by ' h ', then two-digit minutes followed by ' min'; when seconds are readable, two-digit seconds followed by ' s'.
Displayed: 11 h 47 min
